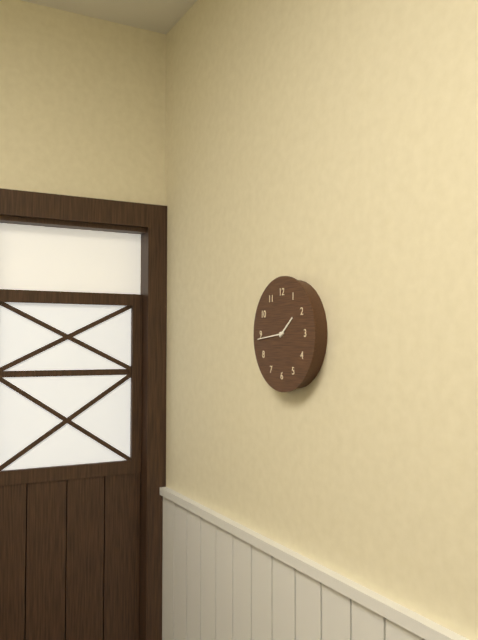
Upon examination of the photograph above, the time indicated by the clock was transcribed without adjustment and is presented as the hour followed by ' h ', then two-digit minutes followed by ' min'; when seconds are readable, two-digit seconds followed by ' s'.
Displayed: 1 h 44 min
